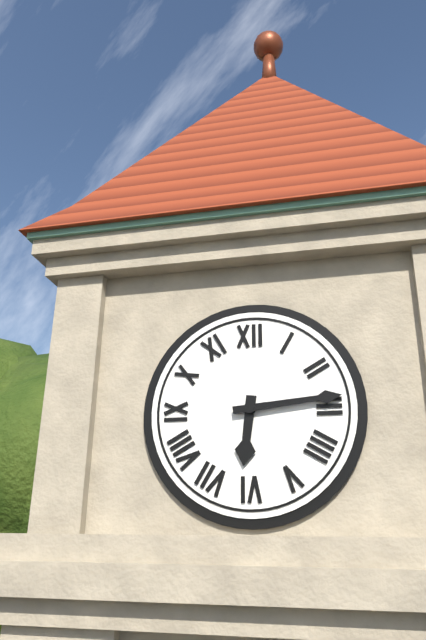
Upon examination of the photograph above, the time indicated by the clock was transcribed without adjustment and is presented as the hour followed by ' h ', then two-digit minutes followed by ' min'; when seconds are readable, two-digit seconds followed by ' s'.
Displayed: 6 h 14 min
